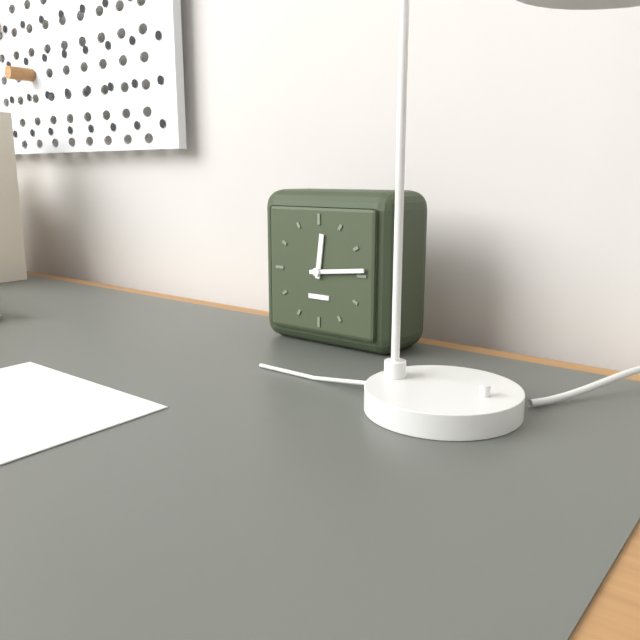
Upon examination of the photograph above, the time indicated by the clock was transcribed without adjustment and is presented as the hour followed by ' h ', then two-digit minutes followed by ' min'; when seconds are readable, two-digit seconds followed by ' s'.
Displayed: 12 h 14 min
